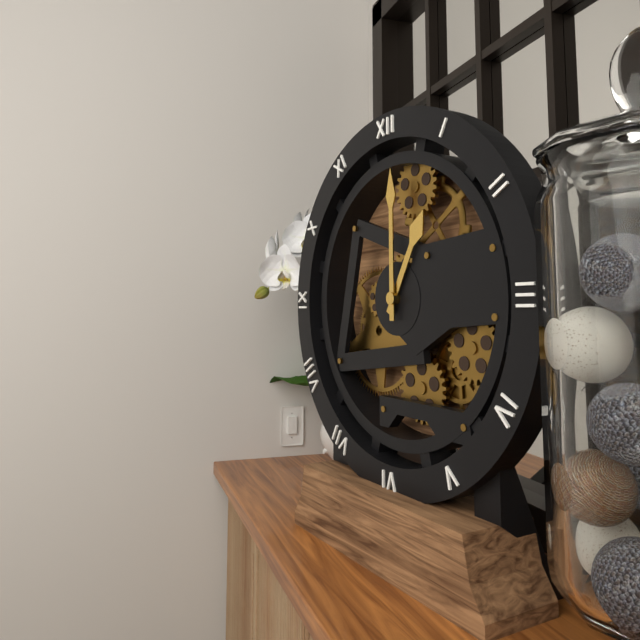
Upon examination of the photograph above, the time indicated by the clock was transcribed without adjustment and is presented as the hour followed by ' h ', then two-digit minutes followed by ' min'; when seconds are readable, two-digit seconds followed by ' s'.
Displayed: 1 h 00 min
